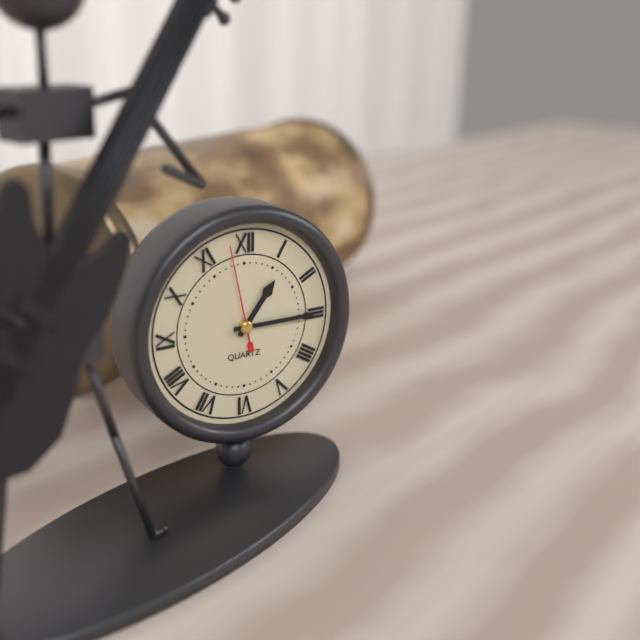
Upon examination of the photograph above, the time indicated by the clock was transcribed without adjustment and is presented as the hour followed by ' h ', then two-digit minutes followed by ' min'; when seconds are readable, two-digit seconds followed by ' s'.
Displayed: 1 h 15 min 58 s
